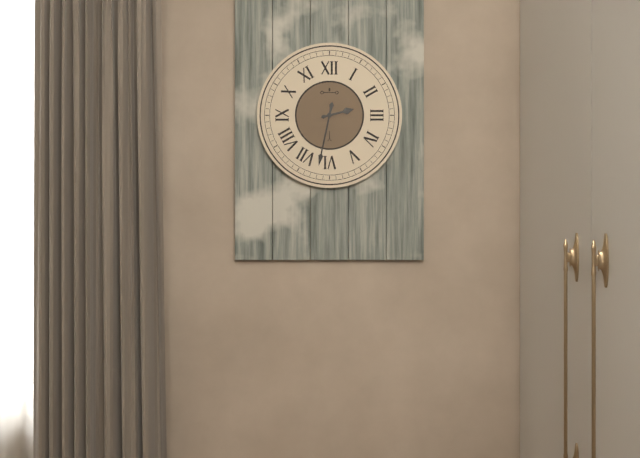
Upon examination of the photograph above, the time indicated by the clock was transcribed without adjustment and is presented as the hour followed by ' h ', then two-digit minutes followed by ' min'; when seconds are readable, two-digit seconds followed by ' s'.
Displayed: 2 h 32 min
